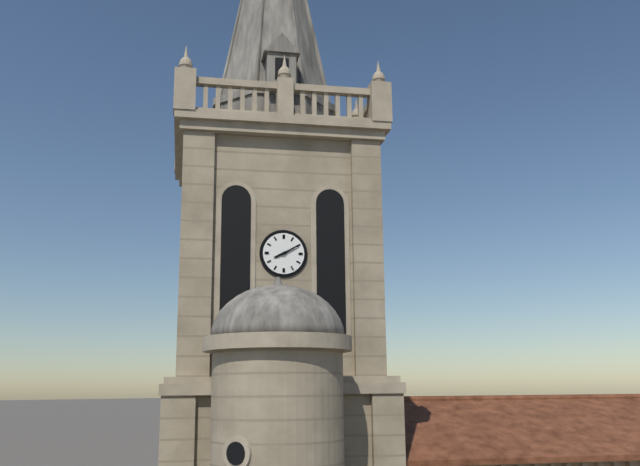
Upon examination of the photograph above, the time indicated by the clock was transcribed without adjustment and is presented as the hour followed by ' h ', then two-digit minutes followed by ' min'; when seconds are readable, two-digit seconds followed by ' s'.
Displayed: 8 h 10 min
